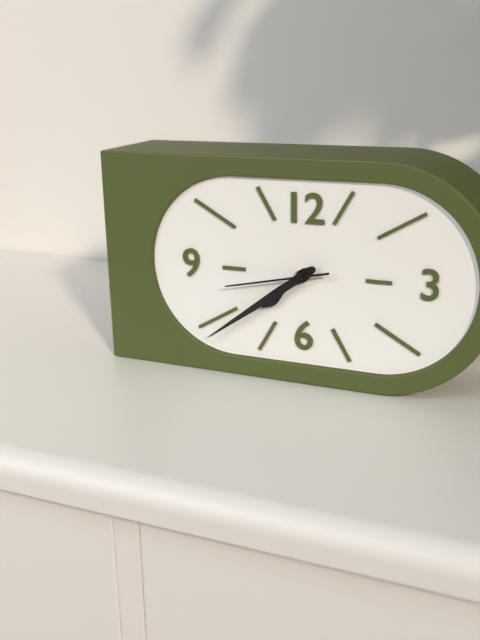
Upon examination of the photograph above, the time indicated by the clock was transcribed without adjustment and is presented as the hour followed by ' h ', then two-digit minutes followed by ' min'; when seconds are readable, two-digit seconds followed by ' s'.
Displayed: 7 h 39 min 43 s
